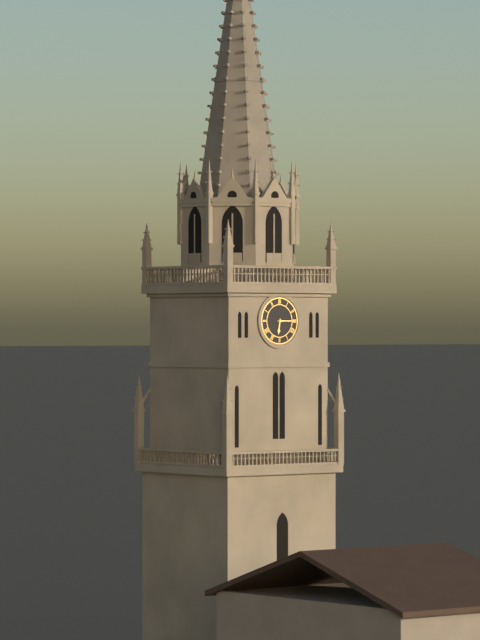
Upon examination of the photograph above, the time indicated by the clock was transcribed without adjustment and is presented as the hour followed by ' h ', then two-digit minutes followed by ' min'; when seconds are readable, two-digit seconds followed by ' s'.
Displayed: 6 h 15 min
